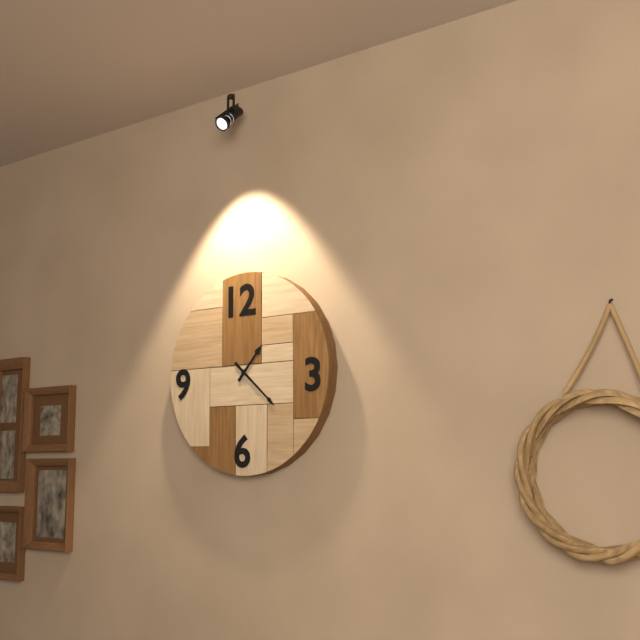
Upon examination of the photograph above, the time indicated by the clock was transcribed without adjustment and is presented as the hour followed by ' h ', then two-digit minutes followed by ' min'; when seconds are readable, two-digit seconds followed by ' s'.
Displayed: 1 h 22 min
